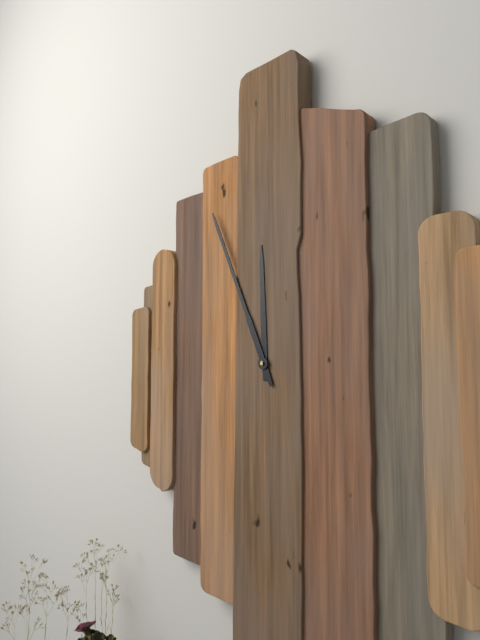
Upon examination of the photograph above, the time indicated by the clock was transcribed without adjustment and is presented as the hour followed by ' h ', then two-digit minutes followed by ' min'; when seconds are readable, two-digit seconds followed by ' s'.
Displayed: 11 h 56 min
